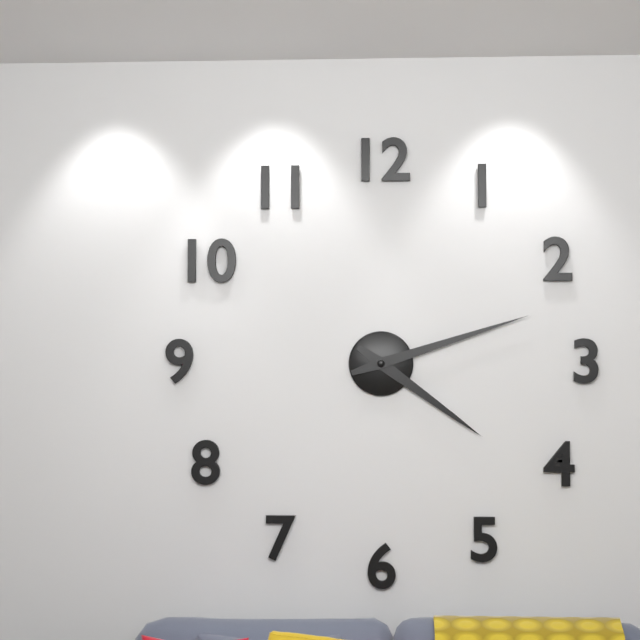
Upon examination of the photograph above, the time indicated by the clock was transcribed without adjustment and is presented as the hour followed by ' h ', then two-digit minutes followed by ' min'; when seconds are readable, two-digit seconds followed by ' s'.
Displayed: 4 h 12 min
